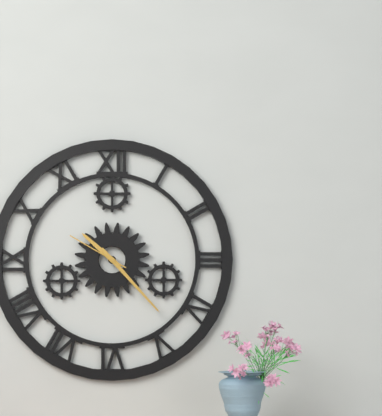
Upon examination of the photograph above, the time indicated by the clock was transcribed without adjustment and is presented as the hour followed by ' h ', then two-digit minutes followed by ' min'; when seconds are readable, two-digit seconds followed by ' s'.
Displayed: 10 h 23 min 50 s
